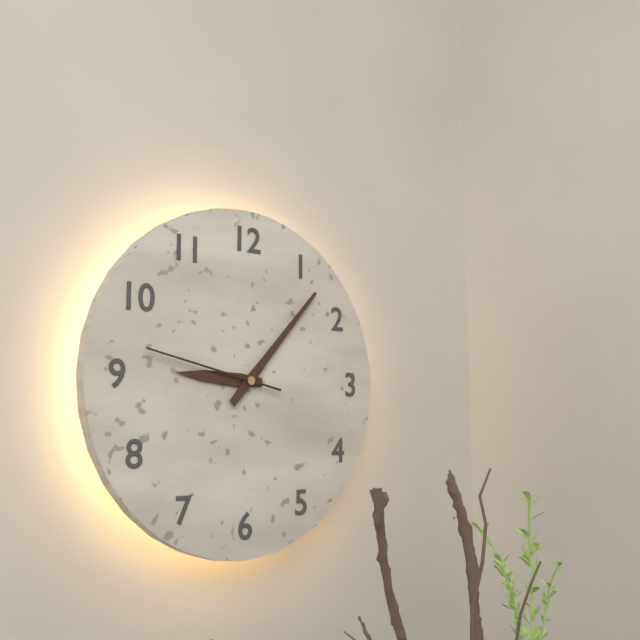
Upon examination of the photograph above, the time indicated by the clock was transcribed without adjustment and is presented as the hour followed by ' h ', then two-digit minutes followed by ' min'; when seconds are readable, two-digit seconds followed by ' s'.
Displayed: 9 h 07 min 47 s
